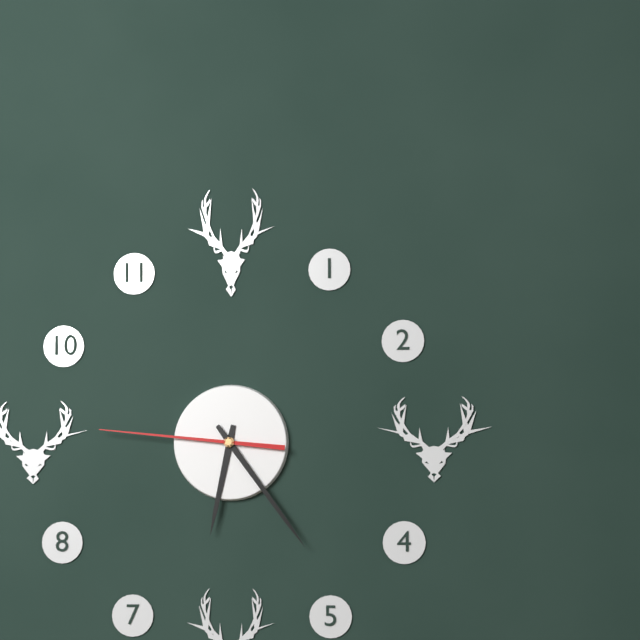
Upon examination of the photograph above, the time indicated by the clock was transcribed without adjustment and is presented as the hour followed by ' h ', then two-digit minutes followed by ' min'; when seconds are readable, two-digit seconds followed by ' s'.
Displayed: 6 h 24 min 46 s
